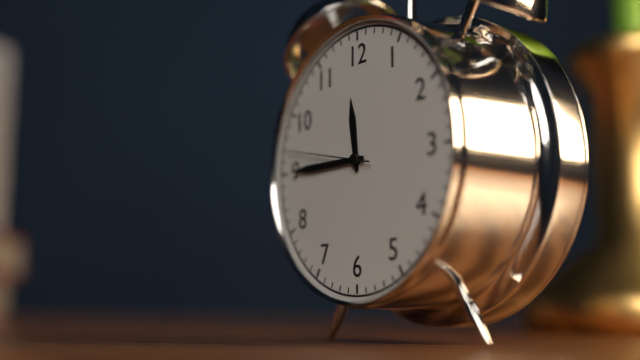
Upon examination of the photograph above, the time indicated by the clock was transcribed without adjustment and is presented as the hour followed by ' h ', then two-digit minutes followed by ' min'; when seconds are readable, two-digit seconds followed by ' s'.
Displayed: 11 h 45 min 47 s
